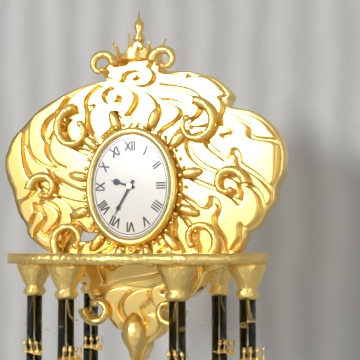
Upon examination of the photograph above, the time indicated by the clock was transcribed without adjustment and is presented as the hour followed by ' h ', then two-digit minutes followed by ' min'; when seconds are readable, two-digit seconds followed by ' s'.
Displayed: 9 h 35 min
